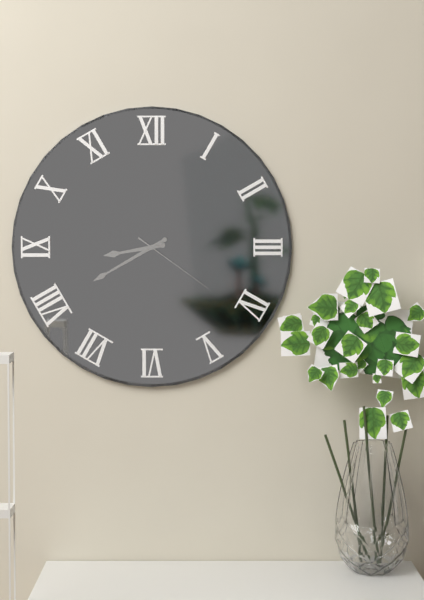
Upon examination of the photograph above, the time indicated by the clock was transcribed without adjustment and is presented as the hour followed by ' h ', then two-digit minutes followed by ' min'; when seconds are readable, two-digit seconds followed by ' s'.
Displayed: 8 h 40 min 21 s
